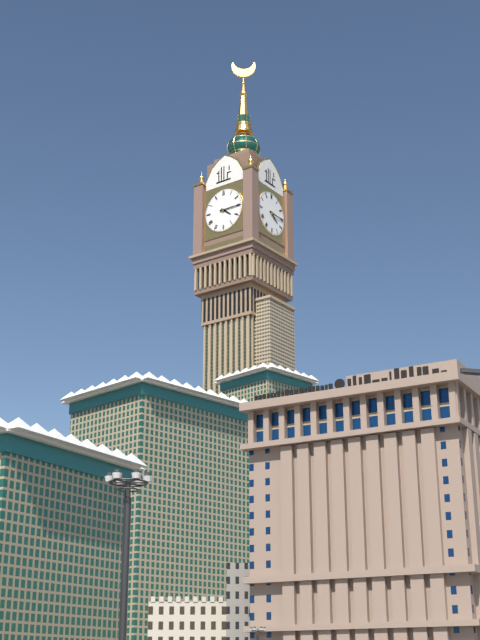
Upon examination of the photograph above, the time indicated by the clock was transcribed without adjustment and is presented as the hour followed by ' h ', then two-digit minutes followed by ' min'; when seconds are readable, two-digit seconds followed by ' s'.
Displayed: 4 h 15 min
